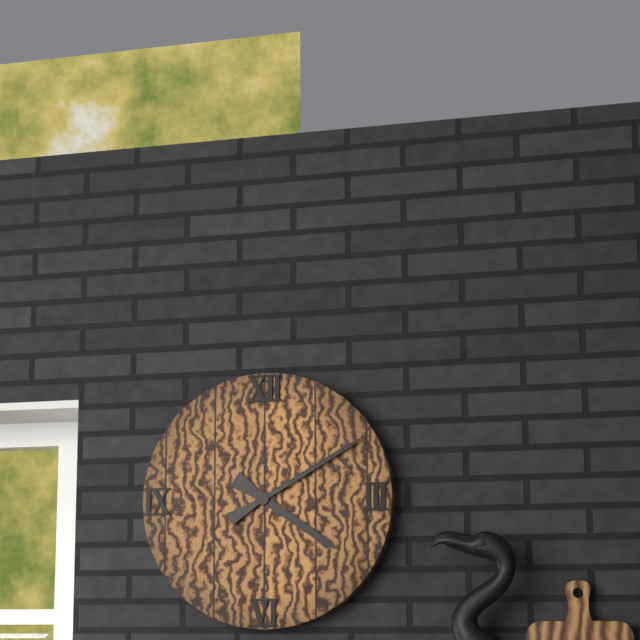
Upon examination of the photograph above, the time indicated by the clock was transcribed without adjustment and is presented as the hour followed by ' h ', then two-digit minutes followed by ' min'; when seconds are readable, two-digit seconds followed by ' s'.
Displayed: 4 h 10 min
